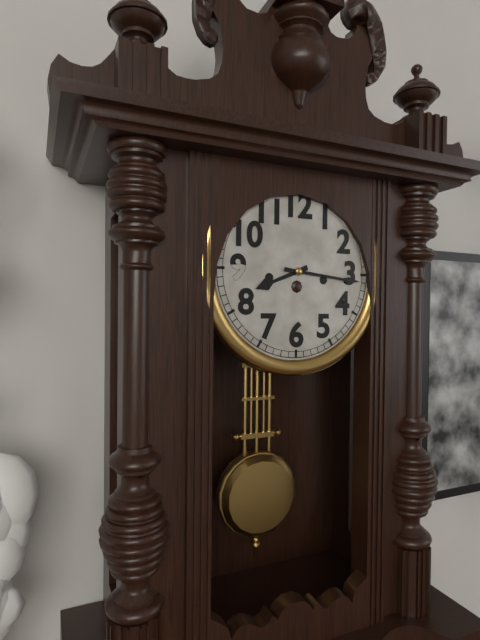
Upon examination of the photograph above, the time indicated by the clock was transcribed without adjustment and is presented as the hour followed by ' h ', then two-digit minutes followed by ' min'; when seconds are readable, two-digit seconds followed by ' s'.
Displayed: 8 h 16 min
